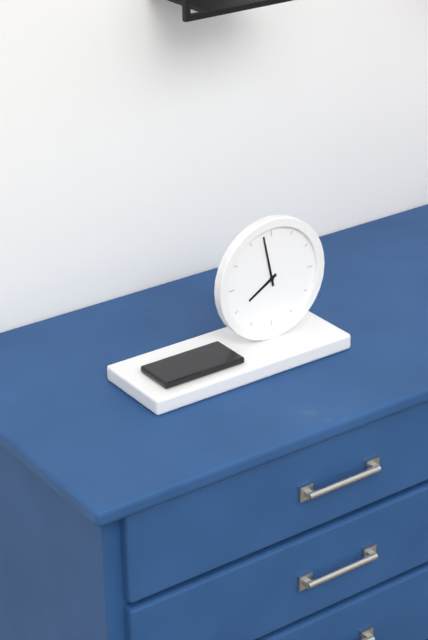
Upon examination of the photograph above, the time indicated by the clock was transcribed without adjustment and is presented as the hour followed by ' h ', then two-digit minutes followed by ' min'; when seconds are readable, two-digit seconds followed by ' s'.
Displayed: 7 h 58 min
